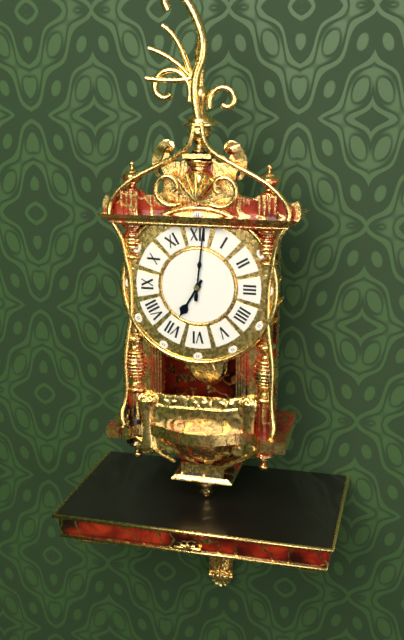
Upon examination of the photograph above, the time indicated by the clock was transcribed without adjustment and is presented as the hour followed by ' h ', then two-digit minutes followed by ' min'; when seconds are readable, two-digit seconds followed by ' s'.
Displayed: 7 h 01 min
